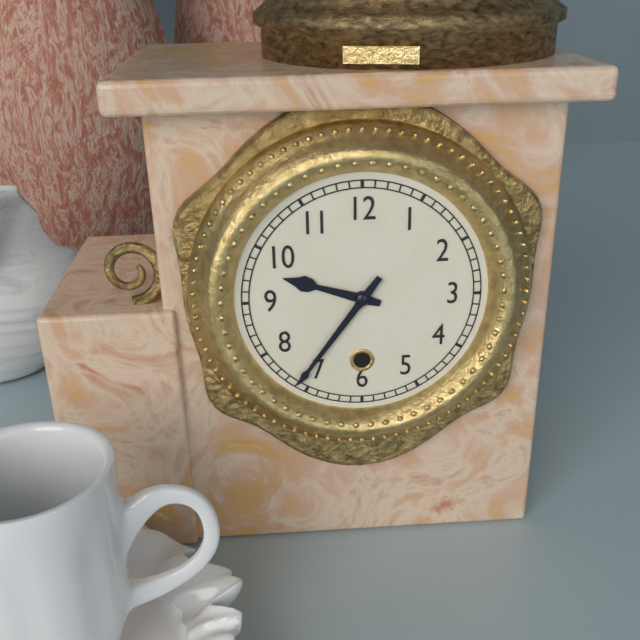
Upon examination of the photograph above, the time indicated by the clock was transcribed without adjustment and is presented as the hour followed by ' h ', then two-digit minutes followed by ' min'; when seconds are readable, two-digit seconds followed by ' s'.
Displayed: 9 h 36 min
